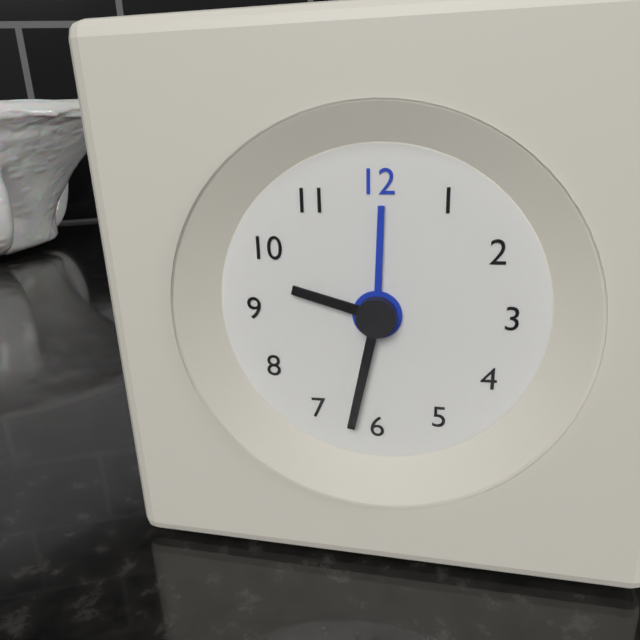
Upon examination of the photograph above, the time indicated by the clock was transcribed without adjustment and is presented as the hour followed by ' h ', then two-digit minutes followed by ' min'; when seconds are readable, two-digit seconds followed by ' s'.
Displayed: 9 h 32 min
